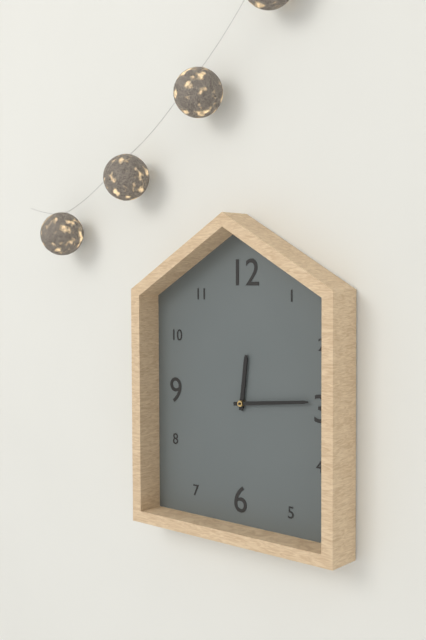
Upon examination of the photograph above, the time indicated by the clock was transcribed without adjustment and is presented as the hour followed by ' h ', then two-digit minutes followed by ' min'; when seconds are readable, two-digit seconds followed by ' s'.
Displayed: 12 h 14 min
